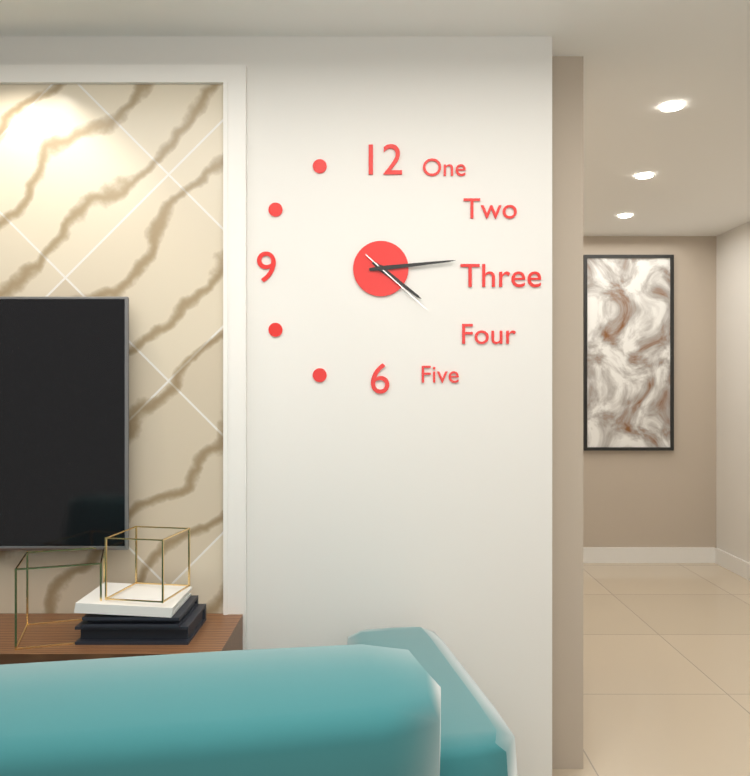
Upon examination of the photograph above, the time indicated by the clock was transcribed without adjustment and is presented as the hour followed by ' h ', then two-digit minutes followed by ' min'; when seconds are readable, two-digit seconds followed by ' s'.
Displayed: 4 h 14 min 22 s
